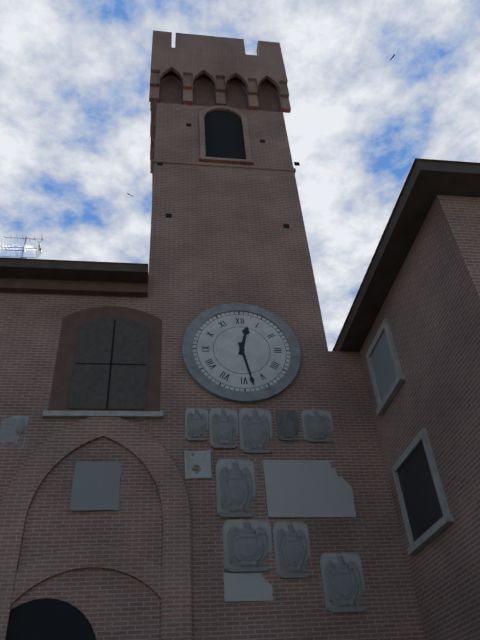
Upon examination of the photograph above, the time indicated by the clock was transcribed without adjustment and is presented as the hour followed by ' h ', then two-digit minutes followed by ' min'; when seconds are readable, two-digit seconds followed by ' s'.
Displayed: 12 h 28 min
